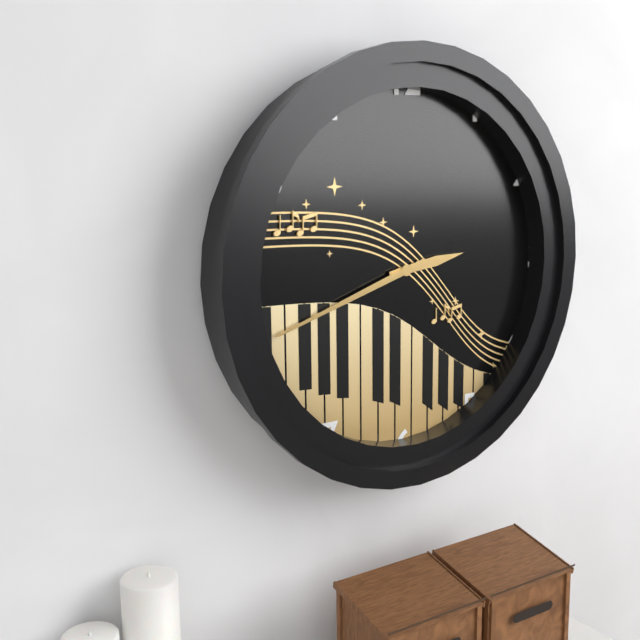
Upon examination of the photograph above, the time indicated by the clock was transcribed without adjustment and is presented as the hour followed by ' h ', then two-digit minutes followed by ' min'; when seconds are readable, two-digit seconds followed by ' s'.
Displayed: 2 h 42 min
